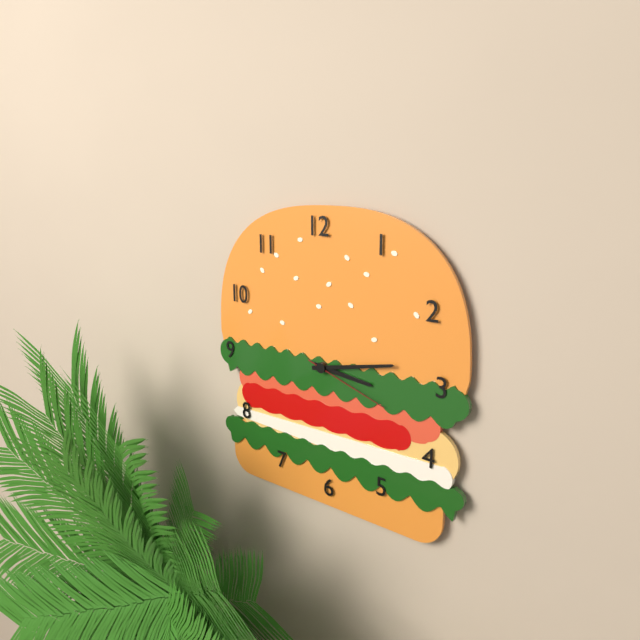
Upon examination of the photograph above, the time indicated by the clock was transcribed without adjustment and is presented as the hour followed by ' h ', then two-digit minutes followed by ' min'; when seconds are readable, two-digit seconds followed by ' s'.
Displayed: 3 h 13 min 18 s
